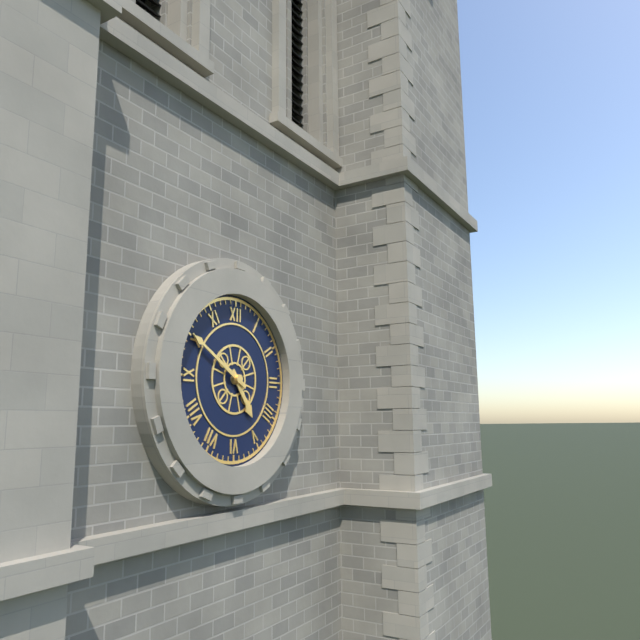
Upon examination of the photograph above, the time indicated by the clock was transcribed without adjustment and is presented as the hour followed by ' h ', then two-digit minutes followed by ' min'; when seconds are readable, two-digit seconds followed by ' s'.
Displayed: 4 h 50 min
